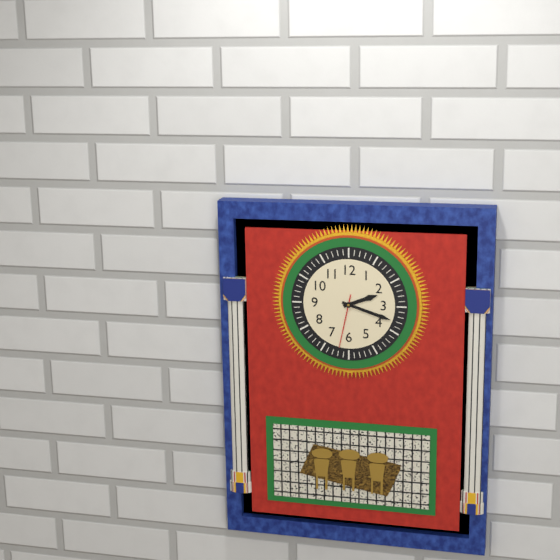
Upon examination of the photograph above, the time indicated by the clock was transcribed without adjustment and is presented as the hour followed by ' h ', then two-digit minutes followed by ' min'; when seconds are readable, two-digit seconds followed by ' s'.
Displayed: 2 h 18 min 32 s
